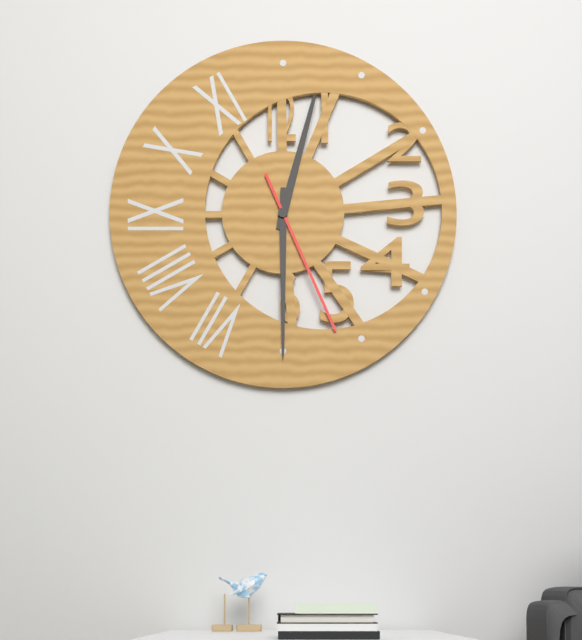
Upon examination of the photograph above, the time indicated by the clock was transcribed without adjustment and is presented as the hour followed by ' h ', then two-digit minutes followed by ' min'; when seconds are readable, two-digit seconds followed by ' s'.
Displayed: 12 h 30 min 26 s
